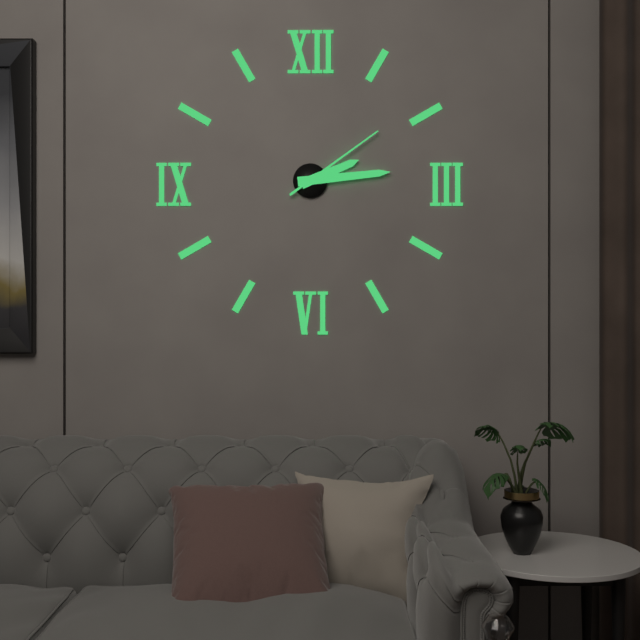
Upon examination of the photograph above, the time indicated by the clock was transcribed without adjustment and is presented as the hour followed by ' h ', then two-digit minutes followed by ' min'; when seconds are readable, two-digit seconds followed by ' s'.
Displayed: 2 h 14 min 09 s
